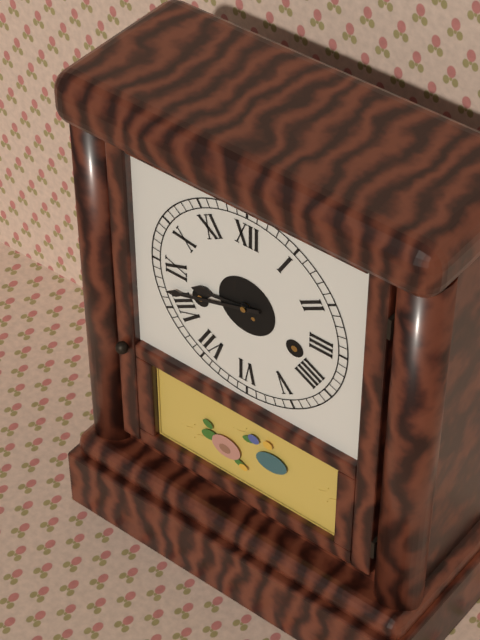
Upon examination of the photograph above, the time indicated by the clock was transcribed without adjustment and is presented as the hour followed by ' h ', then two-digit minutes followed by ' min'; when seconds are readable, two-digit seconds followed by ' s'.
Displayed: 8 h 42 min
